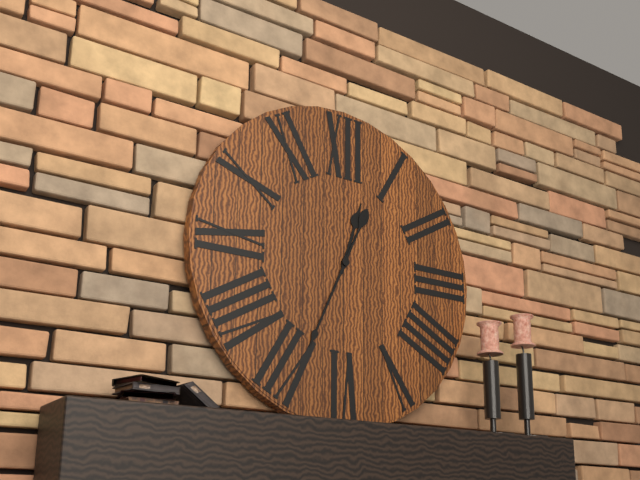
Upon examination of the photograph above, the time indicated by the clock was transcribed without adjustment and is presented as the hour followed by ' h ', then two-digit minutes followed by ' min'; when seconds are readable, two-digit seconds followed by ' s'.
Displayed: 12 h 34 min
